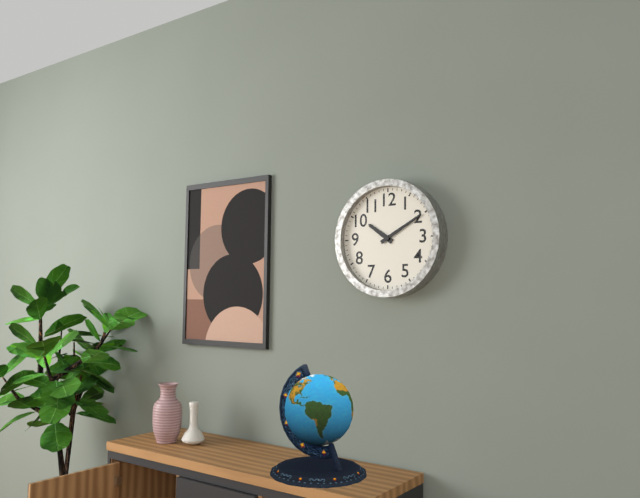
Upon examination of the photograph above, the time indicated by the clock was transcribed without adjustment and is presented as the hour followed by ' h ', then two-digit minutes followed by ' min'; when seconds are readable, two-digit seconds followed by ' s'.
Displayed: 10 h 10 min
